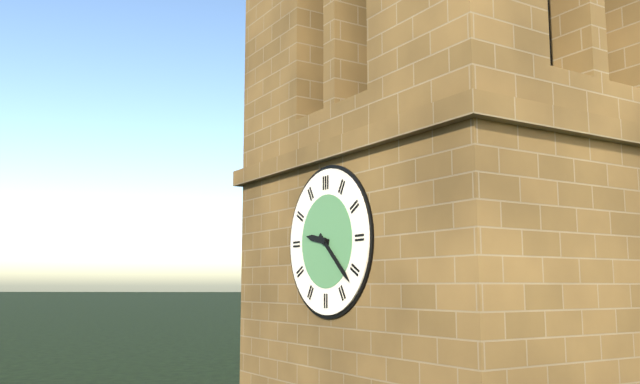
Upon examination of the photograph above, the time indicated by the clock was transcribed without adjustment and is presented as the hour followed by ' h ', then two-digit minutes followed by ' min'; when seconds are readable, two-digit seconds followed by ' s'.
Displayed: 9 h 22 min
